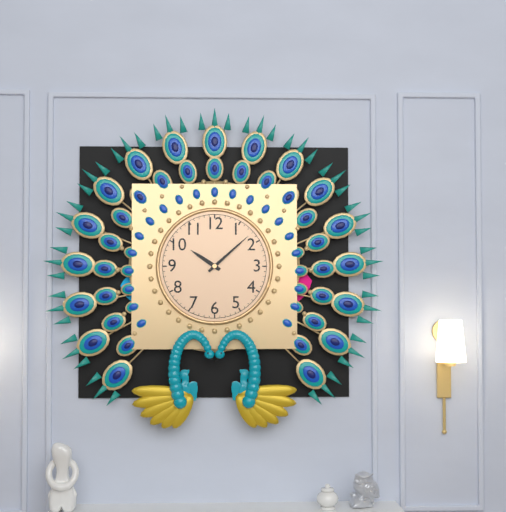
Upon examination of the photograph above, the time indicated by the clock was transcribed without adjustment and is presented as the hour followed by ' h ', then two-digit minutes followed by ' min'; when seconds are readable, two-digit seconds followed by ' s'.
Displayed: 10 h 08 min
